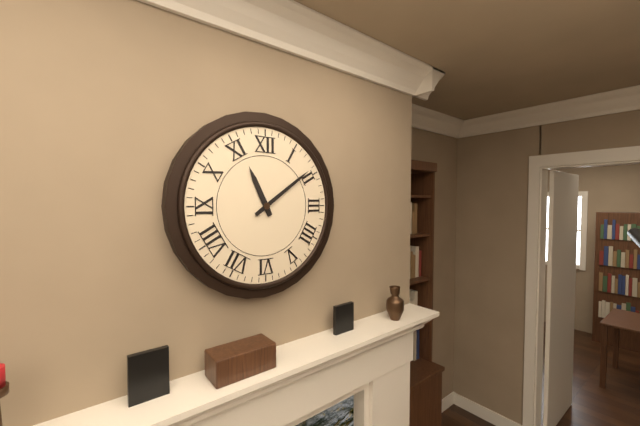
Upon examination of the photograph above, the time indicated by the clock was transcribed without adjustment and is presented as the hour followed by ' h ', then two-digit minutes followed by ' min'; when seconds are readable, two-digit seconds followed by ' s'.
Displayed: 11 h 09 min
